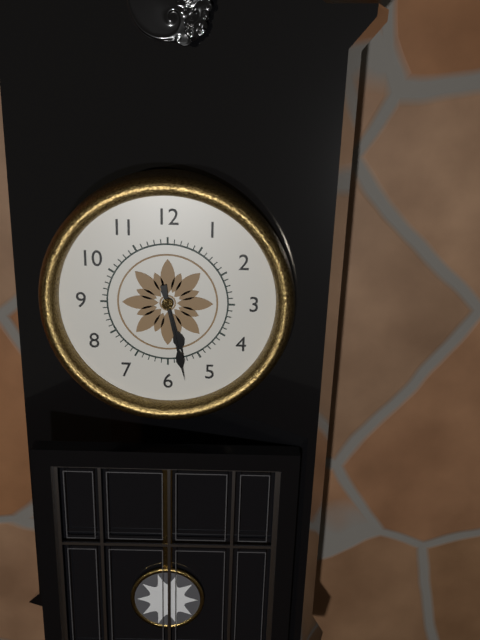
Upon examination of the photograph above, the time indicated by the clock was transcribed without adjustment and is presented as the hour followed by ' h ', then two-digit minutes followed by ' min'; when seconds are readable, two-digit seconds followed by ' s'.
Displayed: 5 h 28 min
